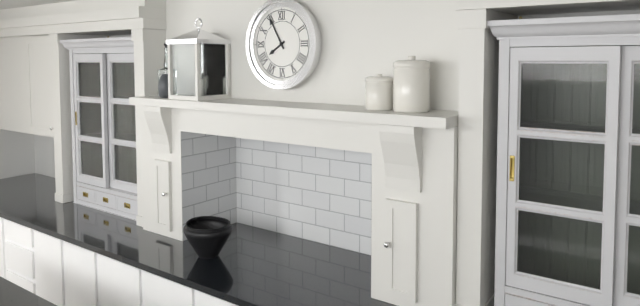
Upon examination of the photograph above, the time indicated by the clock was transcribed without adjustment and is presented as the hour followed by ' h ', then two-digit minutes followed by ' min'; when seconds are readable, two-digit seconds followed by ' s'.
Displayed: 7 h 55 min
